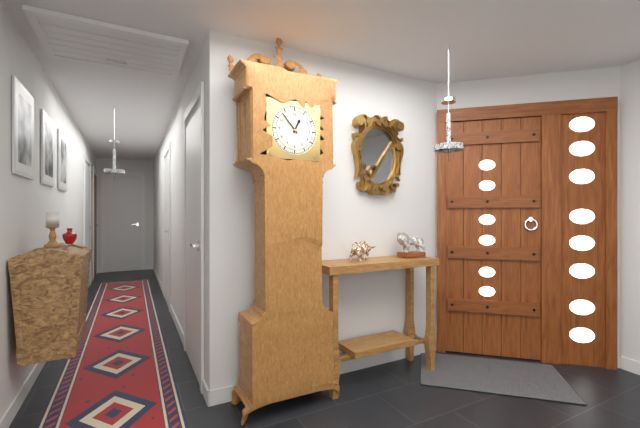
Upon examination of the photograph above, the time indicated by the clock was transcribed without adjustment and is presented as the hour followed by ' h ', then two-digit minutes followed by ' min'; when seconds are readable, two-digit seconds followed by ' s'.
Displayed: 12 h 53 min
